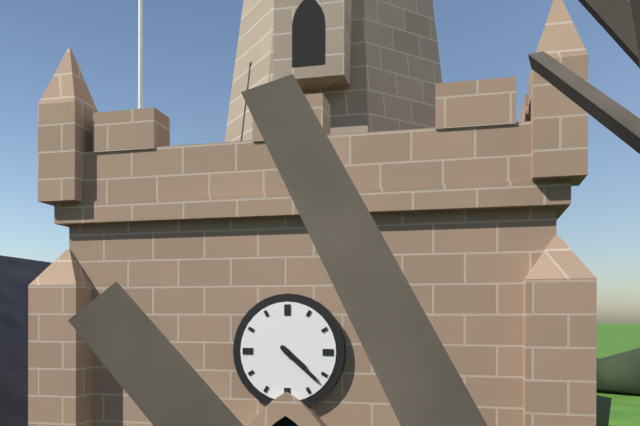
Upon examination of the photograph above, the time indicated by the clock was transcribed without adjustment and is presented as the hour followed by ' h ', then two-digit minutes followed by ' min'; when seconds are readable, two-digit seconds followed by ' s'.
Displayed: 4 h 22 min
